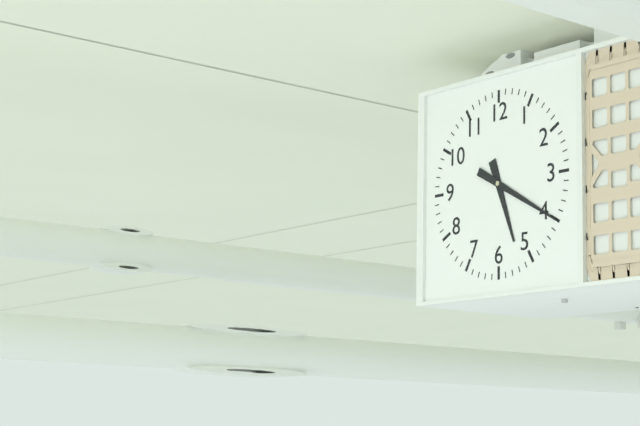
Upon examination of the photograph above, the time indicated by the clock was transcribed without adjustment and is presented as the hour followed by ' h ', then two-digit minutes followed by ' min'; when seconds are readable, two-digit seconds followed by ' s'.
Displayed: 5 h 20 min
